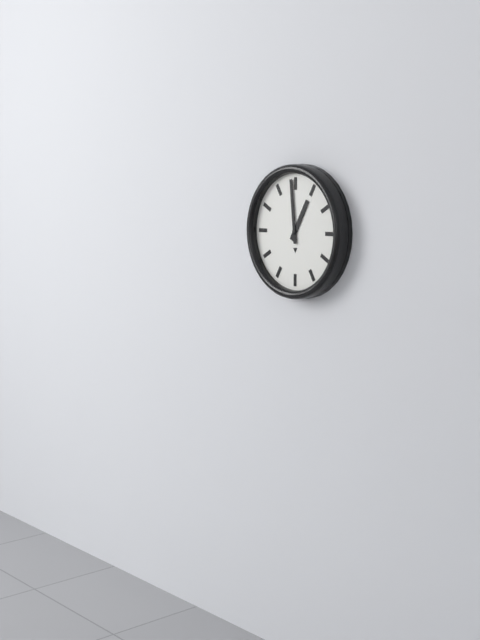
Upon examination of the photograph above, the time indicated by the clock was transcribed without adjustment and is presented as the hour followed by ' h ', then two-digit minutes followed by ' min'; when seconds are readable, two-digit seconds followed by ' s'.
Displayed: 12 h 59 min
